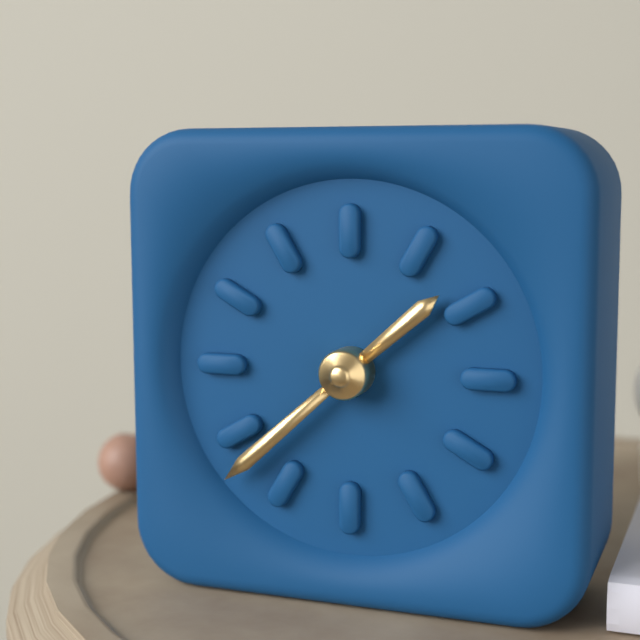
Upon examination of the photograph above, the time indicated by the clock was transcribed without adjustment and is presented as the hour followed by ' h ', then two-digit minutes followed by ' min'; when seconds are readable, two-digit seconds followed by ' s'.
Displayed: 1 h 38 min
